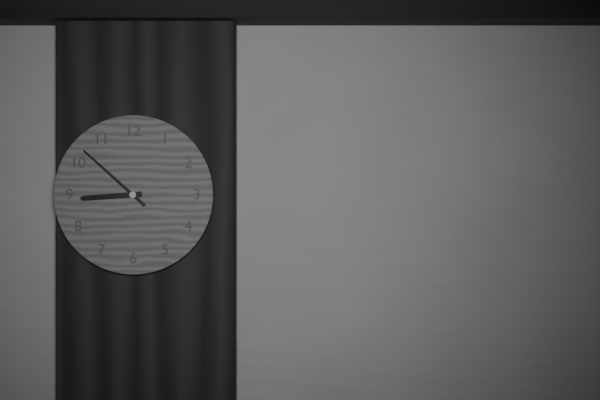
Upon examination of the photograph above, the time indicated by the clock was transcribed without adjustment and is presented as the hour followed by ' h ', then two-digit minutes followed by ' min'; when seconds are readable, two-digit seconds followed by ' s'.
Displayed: 8 h 52 min
